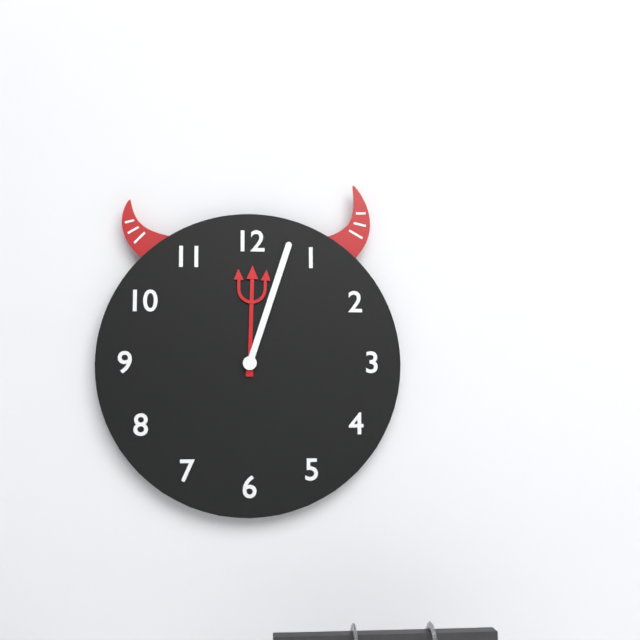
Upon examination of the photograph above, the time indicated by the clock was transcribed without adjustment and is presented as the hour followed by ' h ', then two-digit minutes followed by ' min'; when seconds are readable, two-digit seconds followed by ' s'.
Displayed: 12 h 03 min
